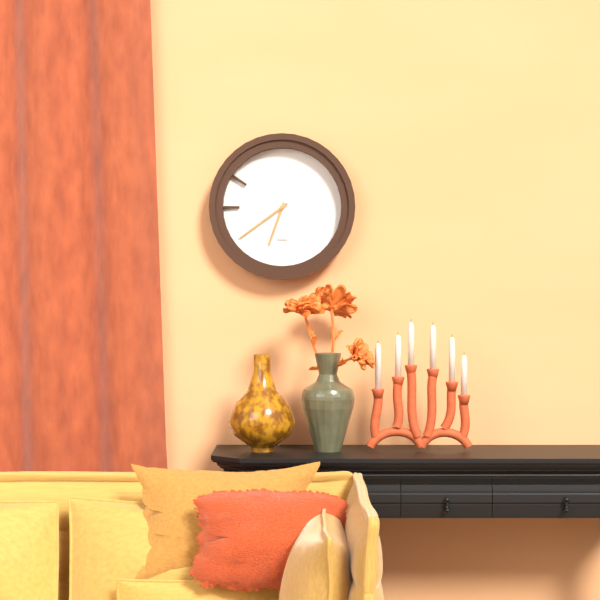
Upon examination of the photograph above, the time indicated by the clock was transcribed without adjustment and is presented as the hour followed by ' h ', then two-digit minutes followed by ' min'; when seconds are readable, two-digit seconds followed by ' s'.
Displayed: 6 h 39 min
